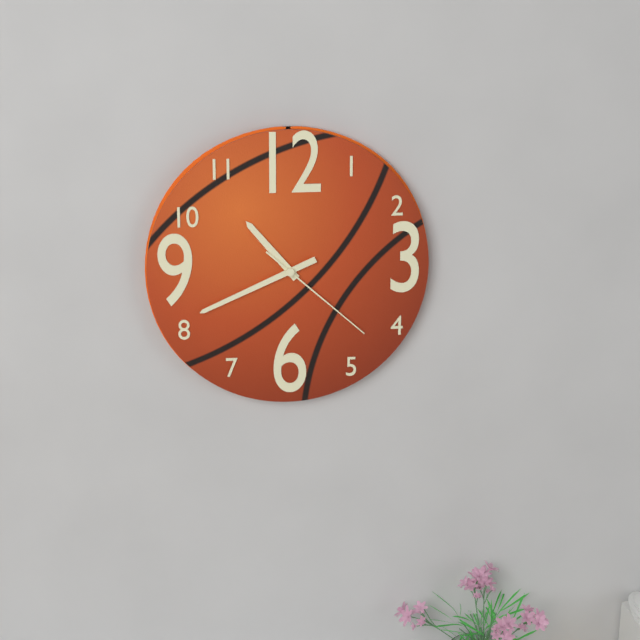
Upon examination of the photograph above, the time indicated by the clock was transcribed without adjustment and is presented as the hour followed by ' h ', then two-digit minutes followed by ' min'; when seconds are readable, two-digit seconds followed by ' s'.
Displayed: 10 h 41 min 22 s
